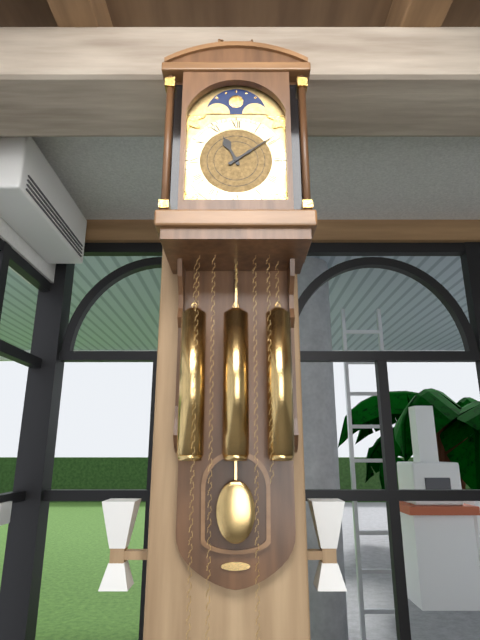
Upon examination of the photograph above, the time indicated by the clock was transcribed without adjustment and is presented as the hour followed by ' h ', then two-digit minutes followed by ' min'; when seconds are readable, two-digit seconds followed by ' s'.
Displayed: 11 h 09 min
